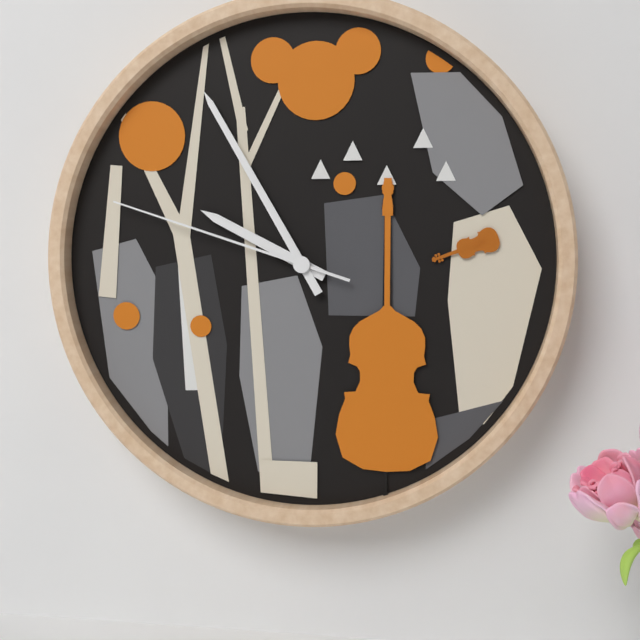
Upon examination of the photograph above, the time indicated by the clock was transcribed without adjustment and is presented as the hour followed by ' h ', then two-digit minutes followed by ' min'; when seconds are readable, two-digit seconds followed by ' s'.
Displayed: 9 h 55 min 48 s
